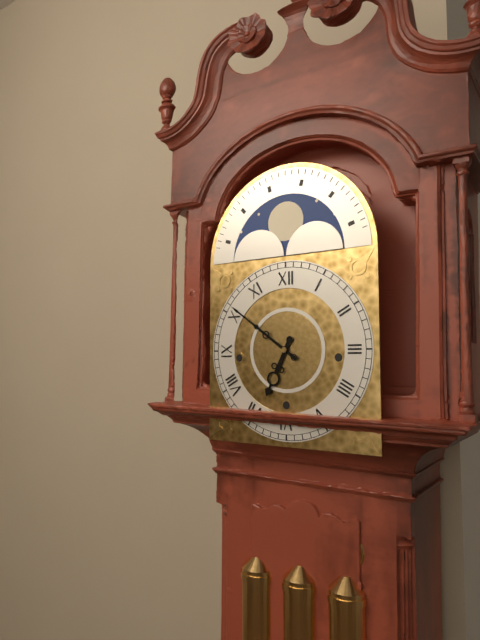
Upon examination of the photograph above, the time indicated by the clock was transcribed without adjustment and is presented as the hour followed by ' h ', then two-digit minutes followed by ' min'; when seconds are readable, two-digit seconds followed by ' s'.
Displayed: 6 h 51 min
